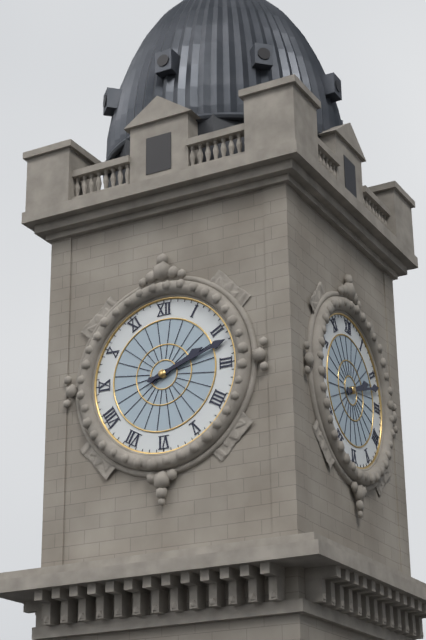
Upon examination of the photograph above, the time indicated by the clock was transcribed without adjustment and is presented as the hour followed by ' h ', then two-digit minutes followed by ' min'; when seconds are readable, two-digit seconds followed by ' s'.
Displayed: 2 h 12 min
